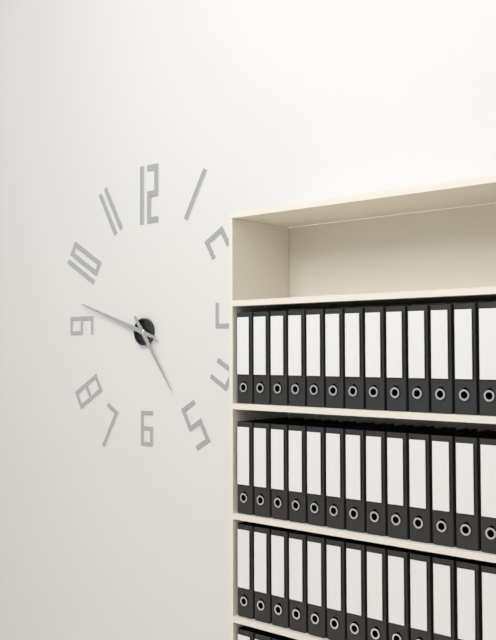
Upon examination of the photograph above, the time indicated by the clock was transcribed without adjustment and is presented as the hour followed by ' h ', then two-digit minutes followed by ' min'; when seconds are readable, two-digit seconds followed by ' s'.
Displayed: 4 h 48 min
